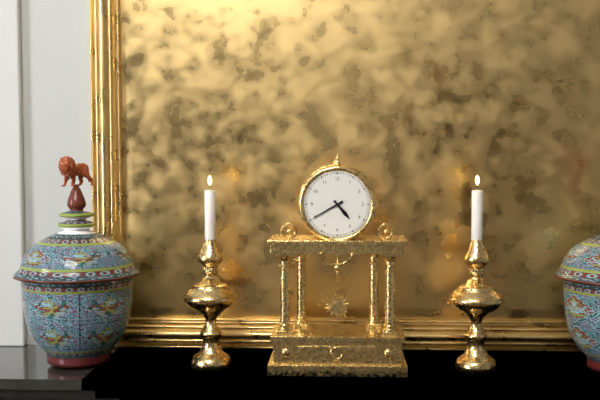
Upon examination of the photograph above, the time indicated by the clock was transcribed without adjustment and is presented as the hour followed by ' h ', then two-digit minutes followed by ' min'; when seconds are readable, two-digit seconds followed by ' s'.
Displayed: 4 h 40 min
